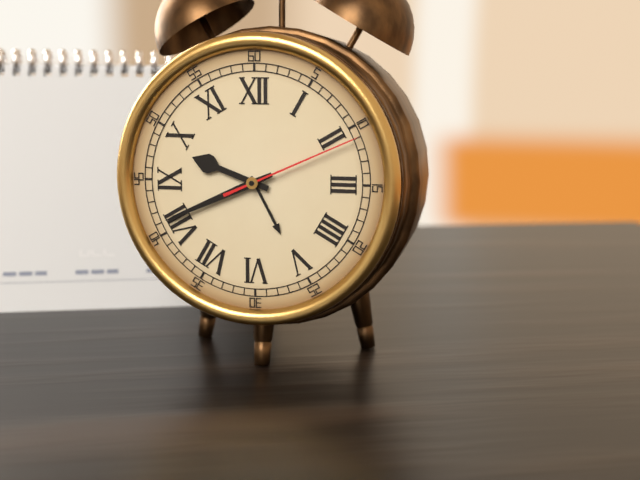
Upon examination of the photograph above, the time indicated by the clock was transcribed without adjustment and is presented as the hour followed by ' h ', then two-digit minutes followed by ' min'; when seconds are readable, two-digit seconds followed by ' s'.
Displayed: 9 h 41 min 11 s
